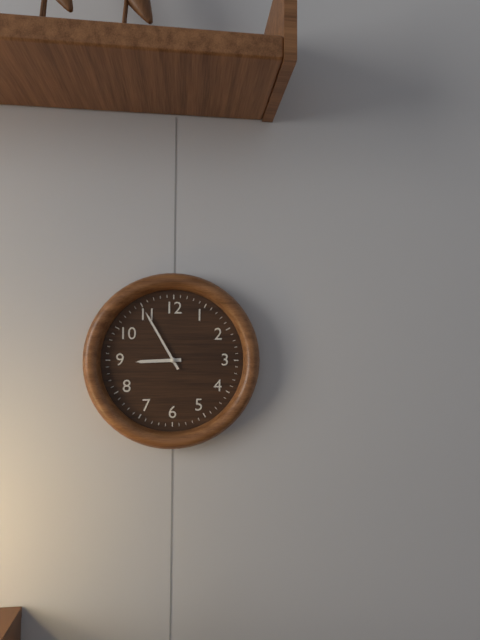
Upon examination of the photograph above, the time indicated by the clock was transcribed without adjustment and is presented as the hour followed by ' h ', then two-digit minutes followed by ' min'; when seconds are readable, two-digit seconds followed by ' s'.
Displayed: 8 h 55 min
